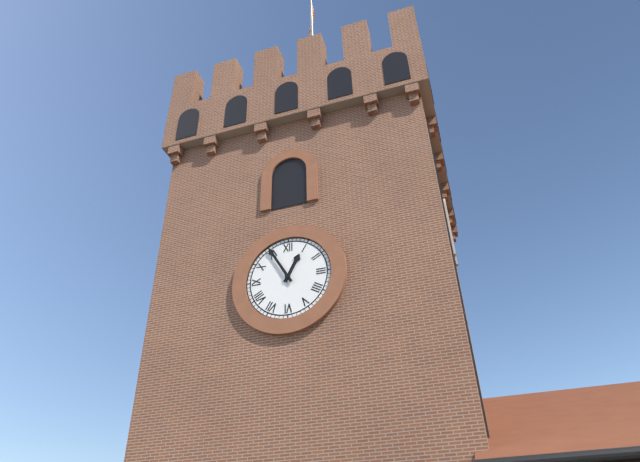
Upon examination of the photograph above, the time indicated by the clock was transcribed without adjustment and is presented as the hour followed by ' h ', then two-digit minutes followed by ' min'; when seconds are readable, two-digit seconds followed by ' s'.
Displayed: 12 h 55 min
